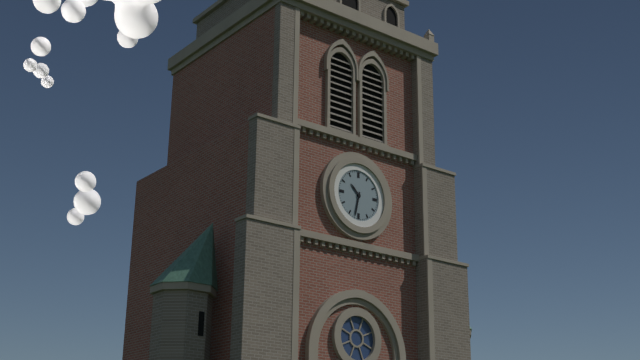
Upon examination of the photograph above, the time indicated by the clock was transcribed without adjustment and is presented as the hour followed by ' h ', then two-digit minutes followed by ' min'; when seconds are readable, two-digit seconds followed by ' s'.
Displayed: 10 h 32 min
